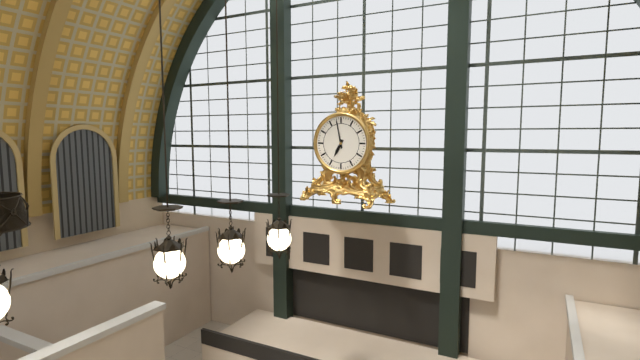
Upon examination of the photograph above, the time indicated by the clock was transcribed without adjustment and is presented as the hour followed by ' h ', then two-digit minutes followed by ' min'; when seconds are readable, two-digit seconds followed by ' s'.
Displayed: 6 h 58 min
